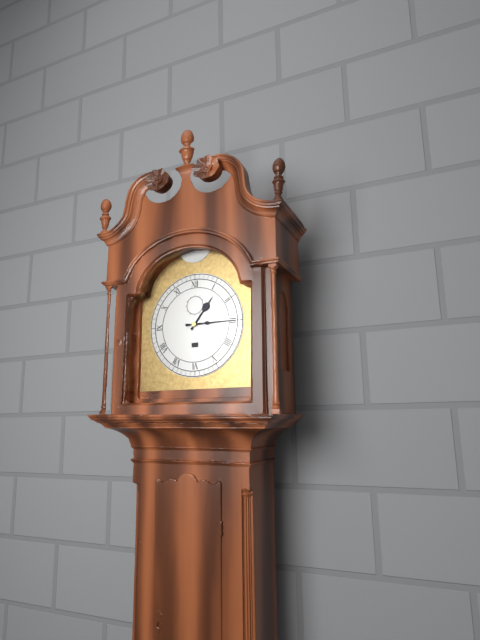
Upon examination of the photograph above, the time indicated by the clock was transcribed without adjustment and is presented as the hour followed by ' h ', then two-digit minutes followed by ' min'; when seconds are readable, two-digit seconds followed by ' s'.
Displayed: 1 h 15 min
